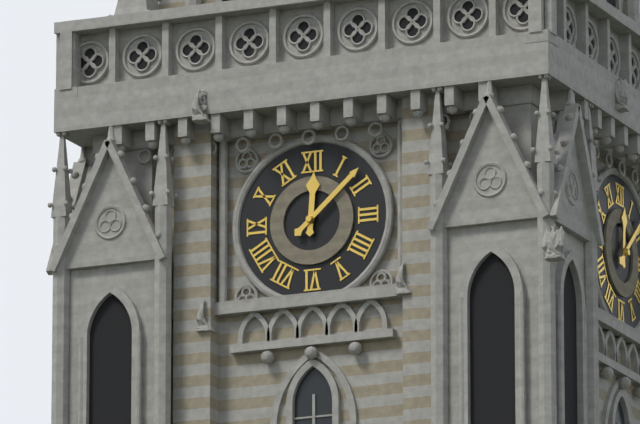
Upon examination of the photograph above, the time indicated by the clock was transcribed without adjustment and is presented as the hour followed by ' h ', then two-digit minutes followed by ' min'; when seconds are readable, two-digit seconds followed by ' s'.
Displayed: 12 h 08 min
